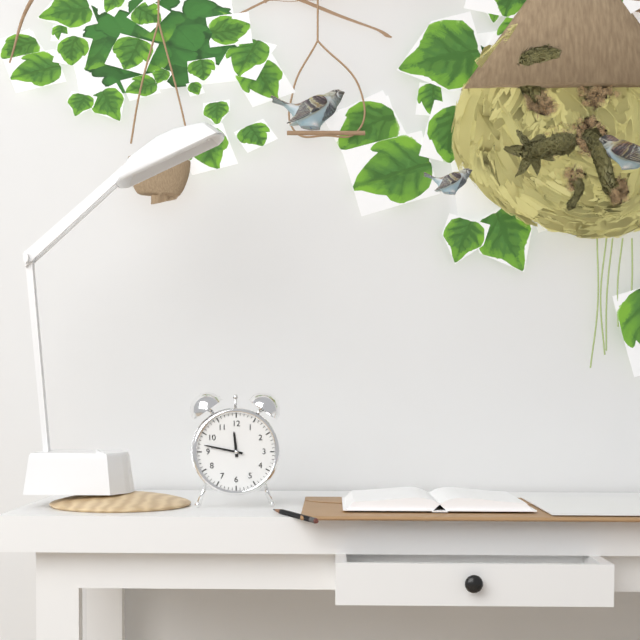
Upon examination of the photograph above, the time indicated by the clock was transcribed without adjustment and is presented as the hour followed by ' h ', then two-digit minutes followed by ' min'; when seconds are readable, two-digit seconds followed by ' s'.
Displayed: 11 h 47 min
